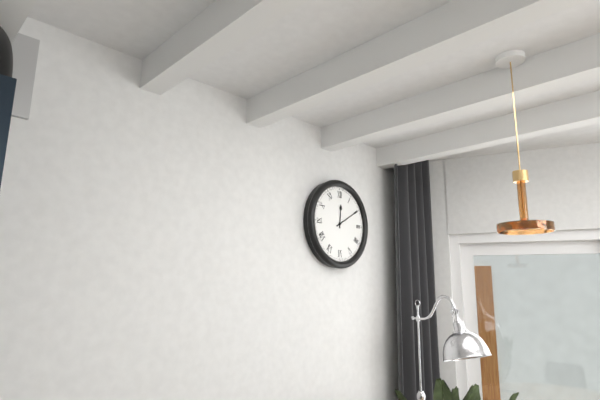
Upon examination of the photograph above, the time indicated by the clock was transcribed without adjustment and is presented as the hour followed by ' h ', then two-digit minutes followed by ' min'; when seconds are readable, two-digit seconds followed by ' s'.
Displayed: 12 h 10 min
